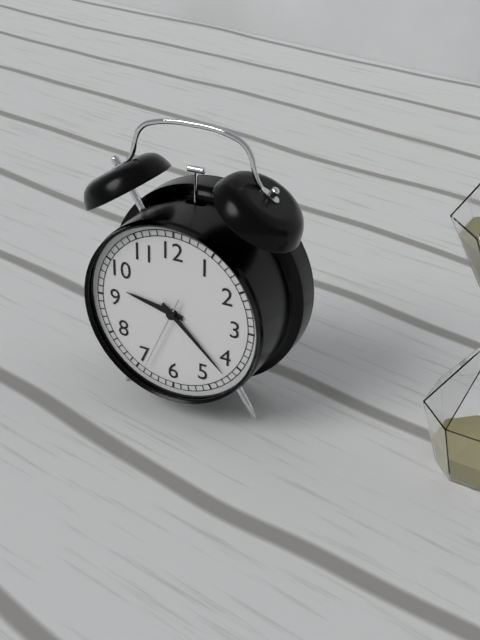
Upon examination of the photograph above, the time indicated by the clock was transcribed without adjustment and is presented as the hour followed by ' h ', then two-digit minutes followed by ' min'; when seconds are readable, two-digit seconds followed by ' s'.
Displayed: 9 h 22 min 34 s
